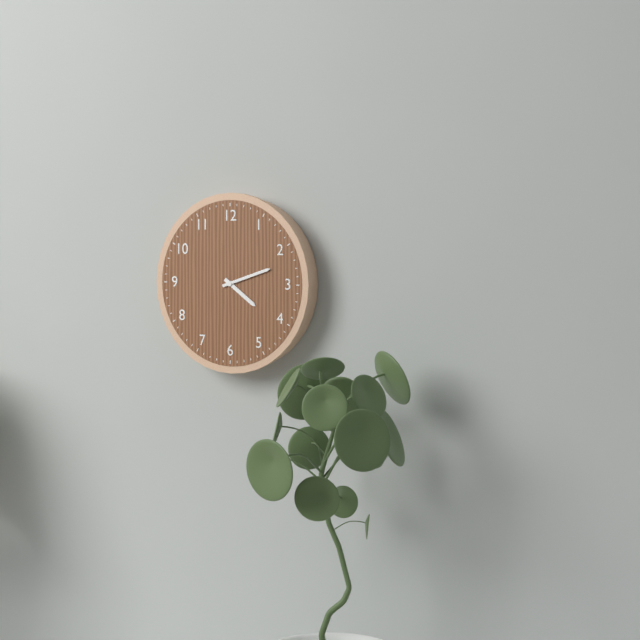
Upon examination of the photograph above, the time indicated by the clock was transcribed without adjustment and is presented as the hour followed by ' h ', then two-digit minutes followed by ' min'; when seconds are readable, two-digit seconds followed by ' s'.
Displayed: 4 h 12 min
